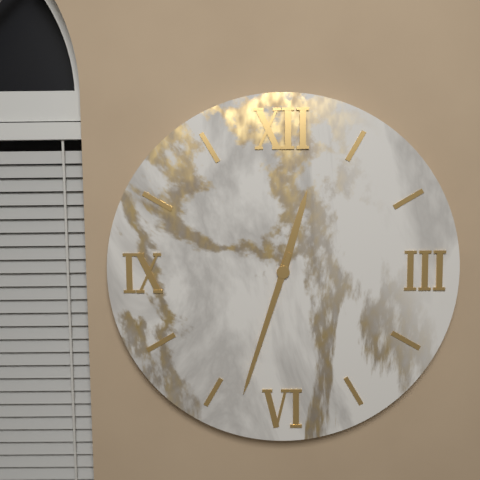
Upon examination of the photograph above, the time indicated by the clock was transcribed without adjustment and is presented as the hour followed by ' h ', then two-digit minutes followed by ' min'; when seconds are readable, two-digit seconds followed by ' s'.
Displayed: 12 h 33 min
